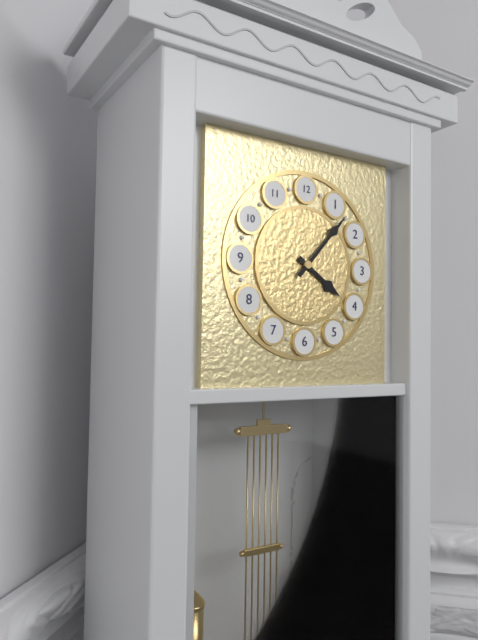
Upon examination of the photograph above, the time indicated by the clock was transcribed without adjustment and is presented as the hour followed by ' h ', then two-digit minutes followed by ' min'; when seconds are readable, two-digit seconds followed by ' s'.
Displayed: 4 h 07 min
